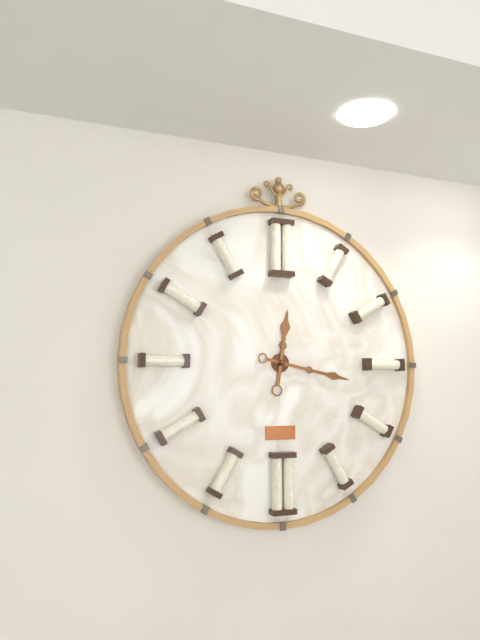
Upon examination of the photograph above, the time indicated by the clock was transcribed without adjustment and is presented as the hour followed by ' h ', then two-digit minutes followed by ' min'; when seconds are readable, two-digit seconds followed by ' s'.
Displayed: 12 h 17 min
